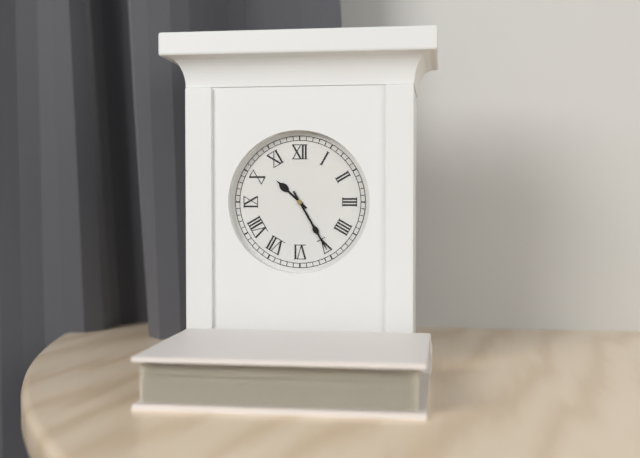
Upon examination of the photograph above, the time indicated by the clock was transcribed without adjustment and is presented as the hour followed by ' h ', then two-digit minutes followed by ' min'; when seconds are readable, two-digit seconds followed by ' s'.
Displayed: 10 h 25 min
